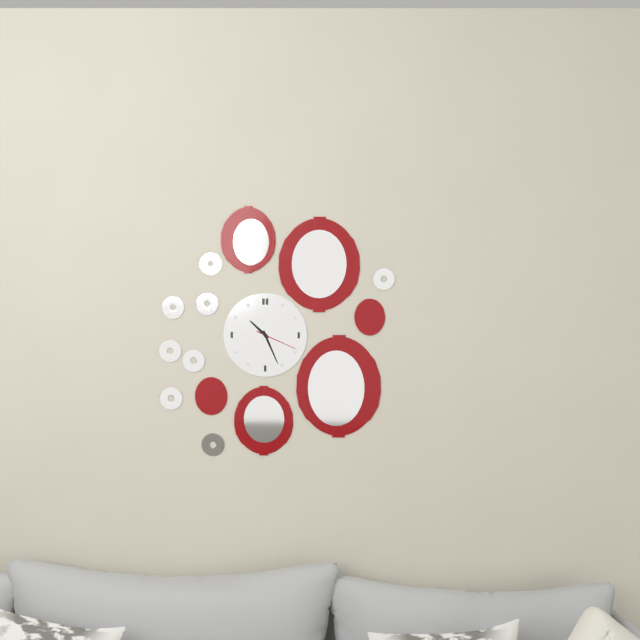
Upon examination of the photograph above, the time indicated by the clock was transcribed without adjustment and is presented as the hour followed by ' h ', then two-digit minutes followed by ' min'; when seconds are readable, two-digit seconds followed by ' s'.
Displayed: 10 h 26 min
